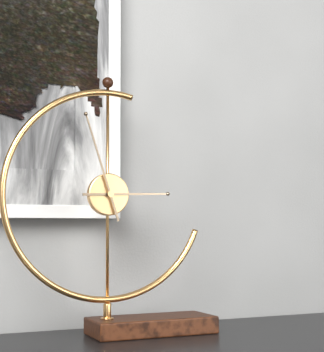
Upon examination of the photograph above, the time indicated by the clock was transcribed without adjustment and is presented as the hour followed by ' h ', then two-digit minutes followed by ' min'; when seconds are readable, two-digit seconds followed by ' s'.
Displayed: 2 h 57 min
